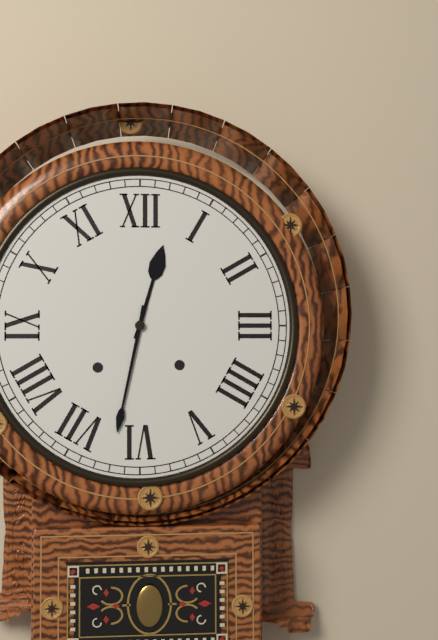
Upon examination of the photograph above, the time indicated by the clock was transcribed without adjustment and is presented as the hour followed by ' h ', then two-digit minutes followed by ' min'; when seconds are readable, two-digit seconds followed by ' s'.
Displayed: 12 h 32 min
